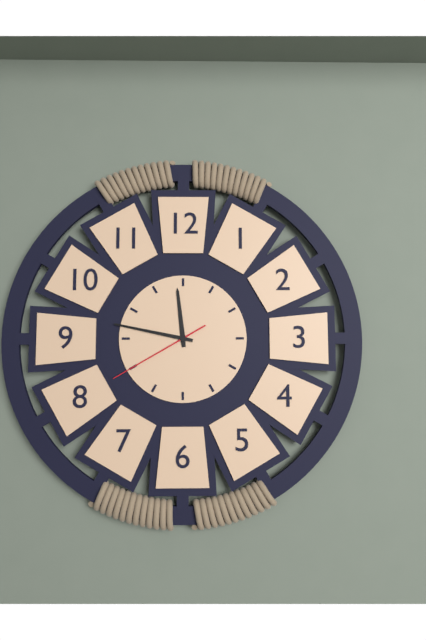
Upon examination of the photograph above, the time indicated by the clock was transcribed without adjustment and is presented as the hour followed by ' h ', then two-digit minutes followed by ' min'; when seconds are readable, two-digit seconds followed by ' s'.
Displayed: 11 h 47 min 40 s
